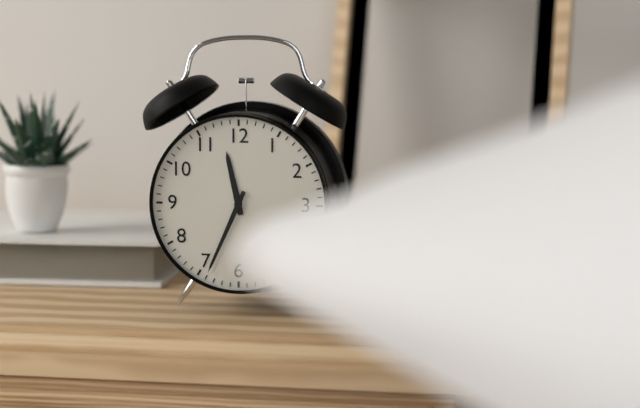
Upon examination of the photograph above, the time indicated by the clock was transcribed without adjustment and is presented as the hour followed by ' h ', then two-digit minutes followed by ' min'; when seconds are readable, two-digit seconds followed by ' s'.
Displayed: 11 h 34 min
